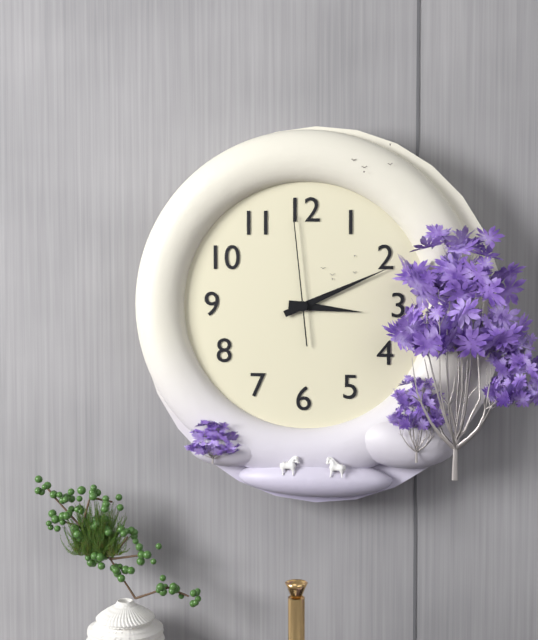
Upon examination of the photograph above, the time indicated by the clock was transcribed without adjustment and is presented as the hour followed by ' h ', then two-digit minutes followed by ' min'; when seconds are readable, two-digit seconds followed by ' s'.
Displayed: 3 h 11 min 59 s
